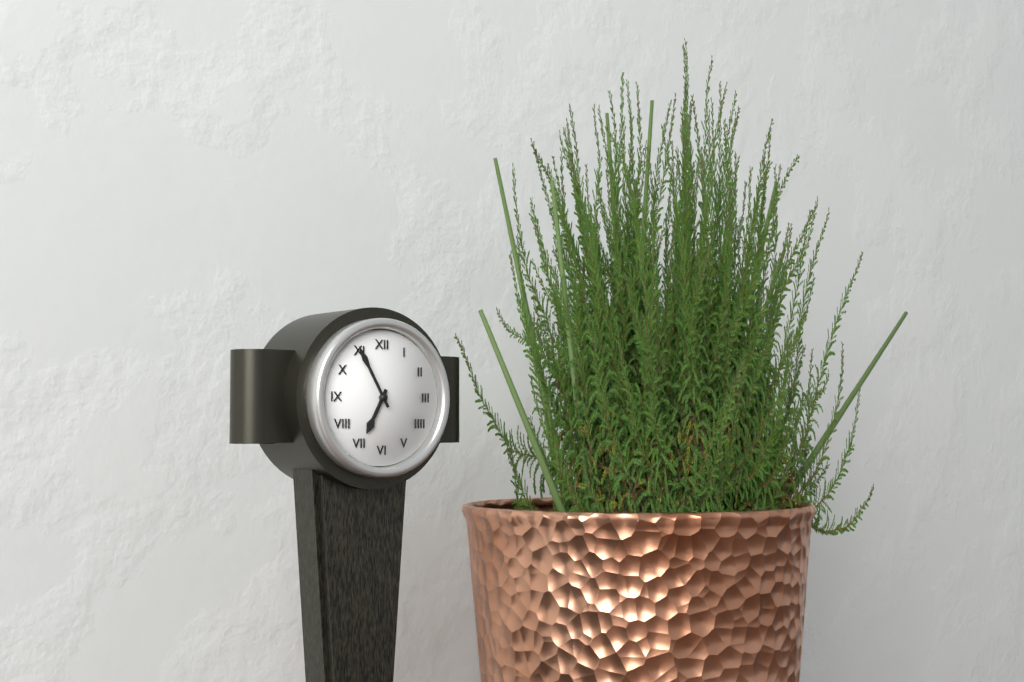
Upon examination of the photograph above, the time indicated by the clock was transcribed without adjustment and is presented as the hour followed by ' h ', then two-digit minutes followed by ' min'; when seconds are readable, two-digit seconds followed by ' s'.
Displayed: 6 h 55 min
